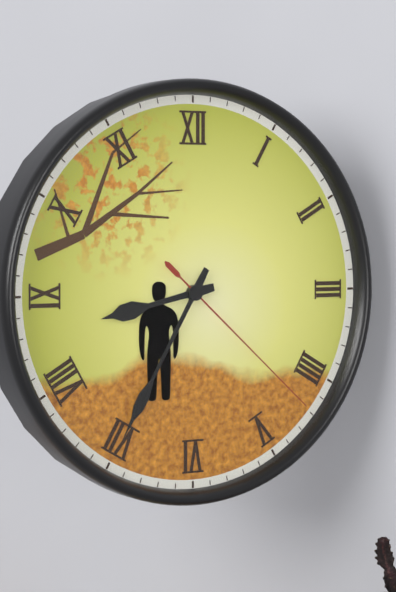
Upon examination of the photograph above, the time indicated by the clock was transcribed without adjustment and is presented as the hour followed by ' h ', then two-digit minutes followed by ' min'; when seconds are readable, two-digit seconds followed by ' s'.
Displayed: 8 h 35 min 22 s
